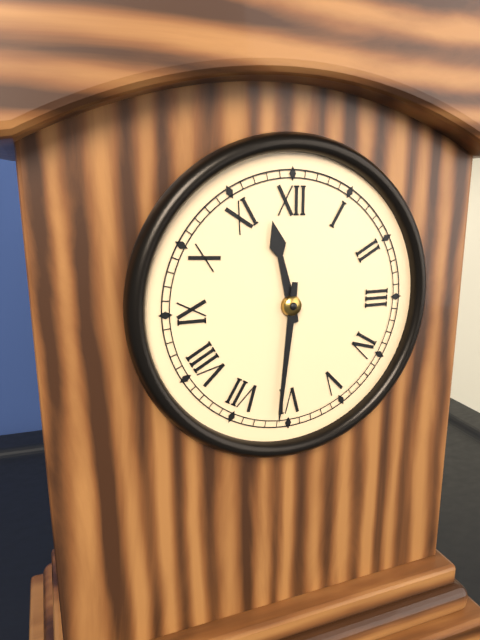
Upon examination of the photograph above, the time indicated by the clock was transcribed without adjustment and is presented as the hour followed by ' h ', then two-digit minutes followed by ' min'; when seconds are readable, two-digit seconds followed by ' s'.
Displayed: 11 h 31 min
